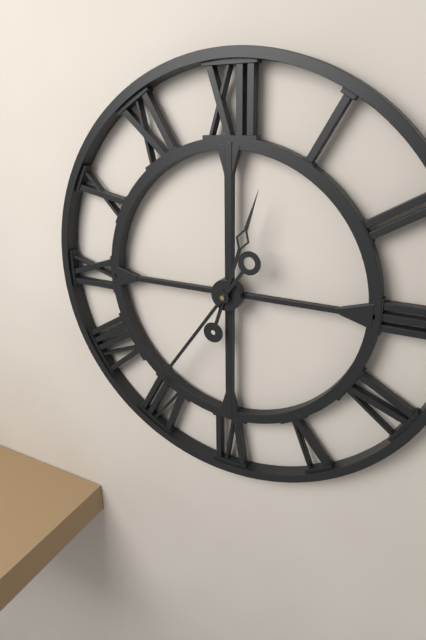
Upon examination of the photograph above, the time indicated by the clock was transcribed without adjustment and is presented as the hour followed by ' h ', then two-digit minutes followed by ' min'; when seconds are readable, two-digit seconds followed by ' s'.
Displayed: 12 h 36 min
